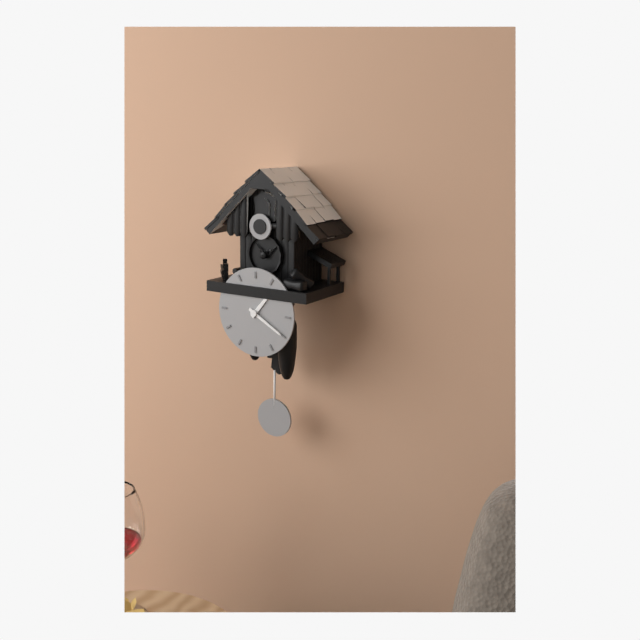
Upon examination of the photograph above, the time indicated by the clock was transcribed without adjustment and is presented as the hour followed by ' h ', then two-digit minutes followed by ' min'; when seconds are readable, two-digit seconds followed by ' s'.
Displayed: 1 h 20 min
